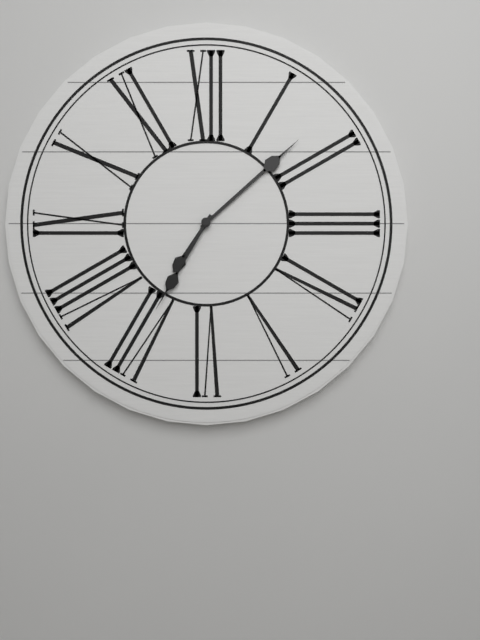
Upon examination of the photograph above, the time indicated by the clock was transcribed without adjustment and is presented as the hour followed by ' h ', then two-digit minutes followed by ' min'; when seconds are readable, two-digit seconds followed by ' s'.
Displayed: 7 h 08 min 35 s
